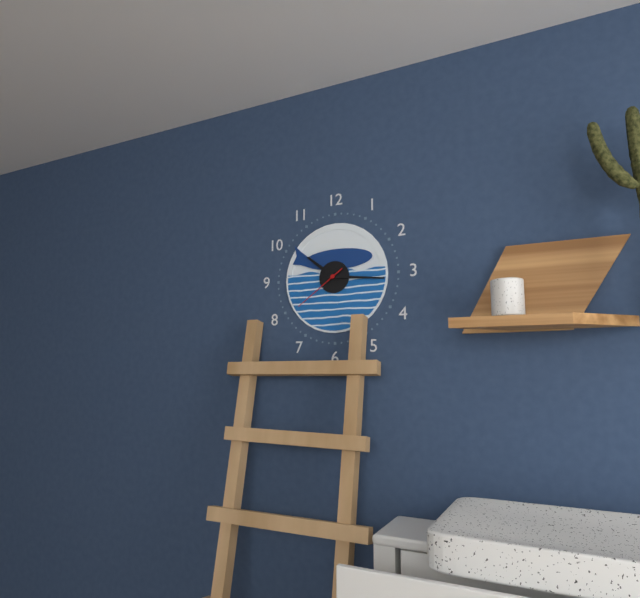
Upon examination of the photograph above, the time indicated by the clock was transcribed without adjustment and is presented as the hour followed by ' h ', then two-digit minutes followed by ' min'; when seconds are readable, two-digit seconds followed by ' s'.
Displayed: 10 h 16 min 39 s
